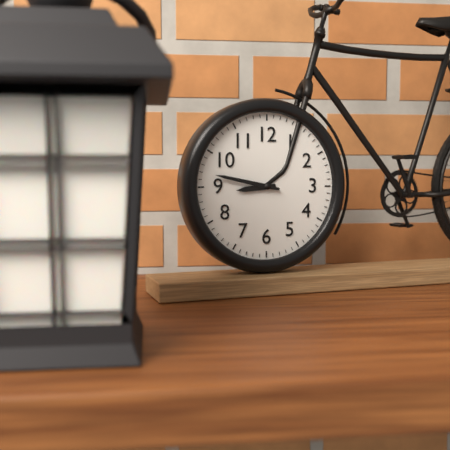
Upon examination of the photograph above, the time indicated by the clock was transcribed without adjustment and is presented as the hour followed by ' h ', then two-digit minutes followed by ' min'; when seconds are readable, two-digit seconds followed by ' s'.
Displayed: 8 h 47 min
